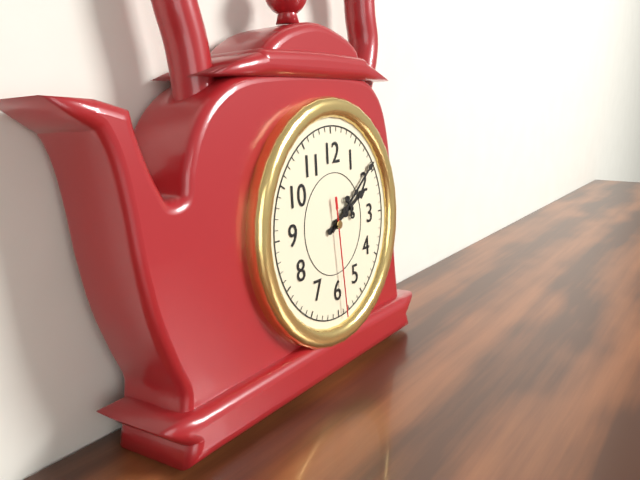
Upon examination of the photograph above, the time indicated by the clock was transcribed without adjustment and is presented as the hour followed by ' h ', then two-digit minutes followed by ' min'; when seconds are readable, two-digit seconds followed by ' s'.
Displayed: 2 h 09 min 29 s
